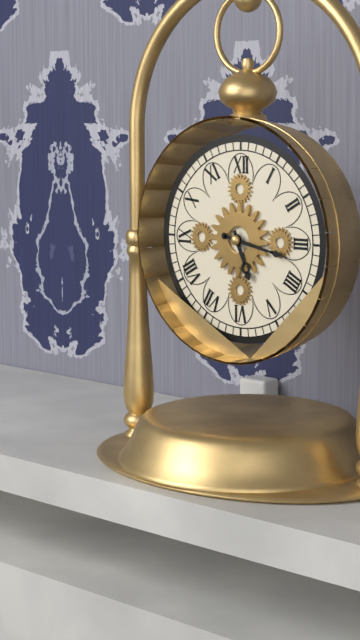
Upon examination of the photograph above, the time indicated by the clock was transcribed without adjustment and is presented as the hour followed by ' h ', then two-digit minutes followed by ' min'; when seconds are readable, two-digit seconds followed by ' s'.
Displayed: 5 h 17 min
